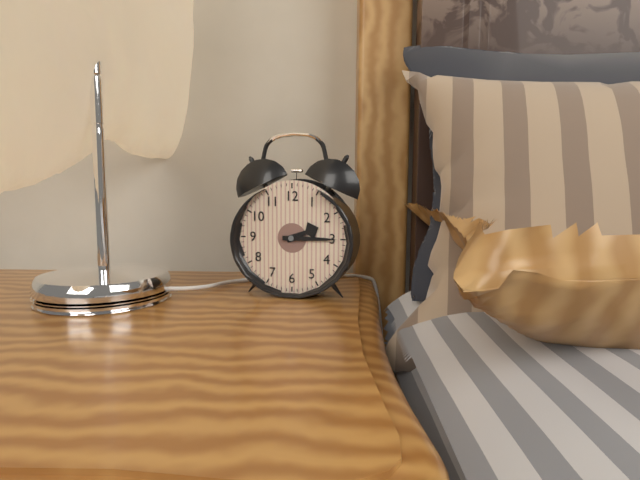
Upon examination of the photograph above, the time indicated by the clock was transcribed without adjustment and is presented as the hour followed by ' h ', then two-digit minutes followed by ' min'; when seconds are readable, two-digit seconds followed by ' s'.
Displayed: 2 h 15 min
